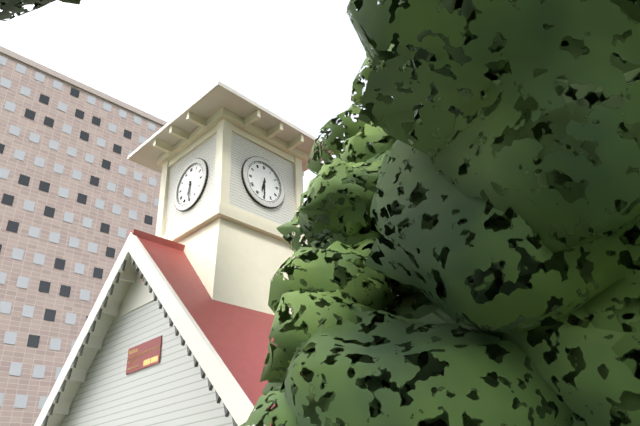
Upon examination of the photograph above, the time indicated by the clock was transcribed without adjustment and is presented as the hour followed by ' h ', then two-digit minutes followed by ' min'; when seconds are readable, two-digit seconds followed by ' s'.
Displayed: 6 h 30 min
